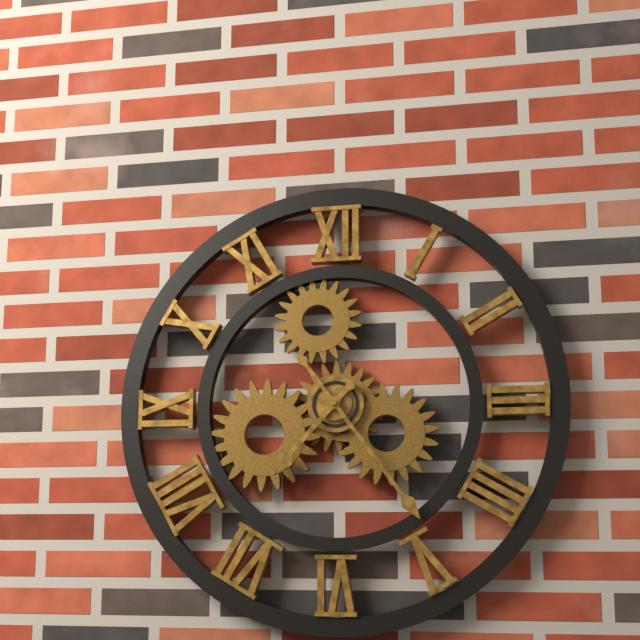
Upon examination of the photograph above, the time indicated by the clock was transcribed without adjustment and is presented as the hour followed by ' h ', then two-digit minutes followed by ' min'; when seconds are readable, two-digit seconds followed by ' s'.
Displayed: 7 h 24 min
